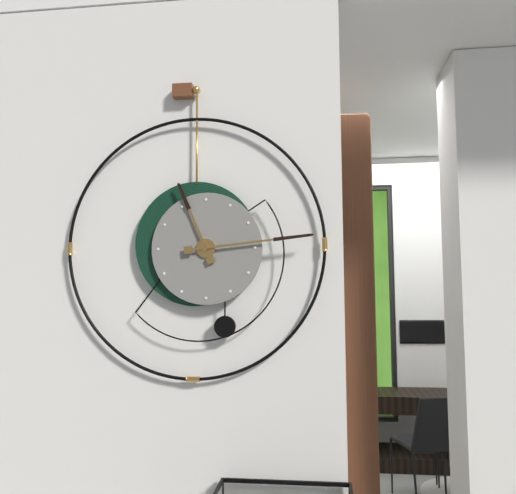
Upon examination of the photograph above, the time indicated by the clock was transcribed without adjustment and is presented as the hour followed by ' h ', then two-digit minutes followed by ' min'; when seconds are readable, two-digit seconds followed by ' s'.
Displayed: 11 h 14 min
